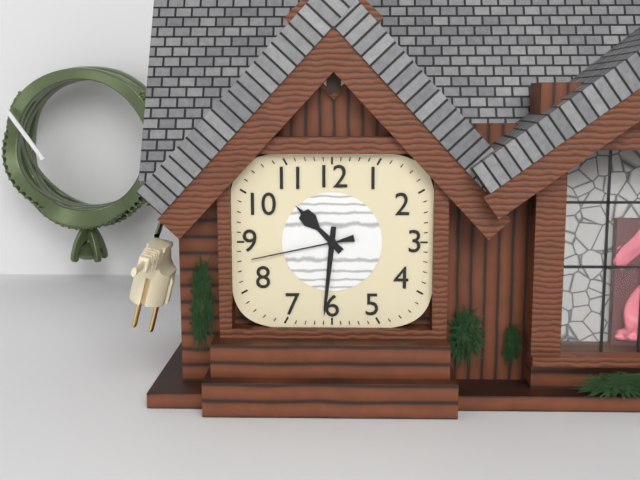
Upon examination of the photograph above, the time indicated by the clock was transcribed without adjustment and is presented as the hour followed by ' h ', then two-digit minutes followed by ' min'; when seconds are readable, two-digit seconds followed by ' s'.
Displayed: 10 h 31 min 43 s
